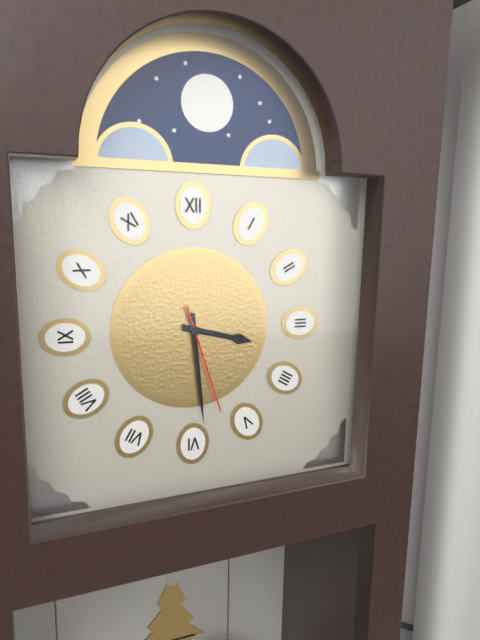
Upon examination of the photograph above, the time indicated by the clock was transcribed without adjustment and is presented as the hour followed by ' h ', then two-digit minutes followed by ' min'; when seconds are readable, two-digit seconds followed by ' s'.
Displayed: 3 h 29 min 27 s
